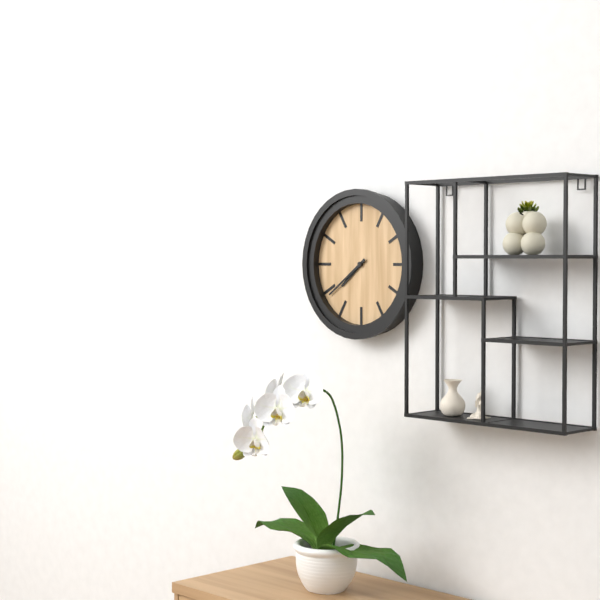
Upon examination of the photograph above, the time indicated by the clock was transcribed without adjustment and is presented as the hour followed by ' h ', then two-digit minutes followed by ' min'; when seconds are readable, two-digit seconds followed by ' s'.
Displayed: 7 h 39 min
